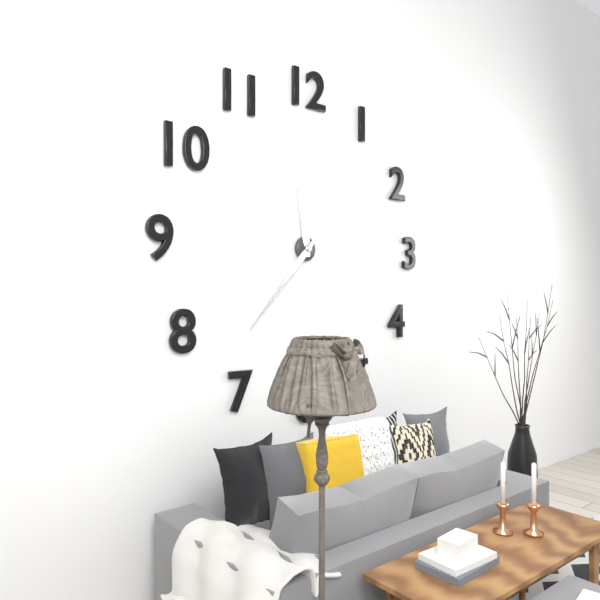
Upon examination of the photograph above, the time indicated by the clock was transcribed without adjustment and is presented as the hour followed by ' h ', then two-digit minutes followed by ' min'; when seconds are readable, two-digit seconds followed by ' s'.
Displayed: 11 h 37 min
